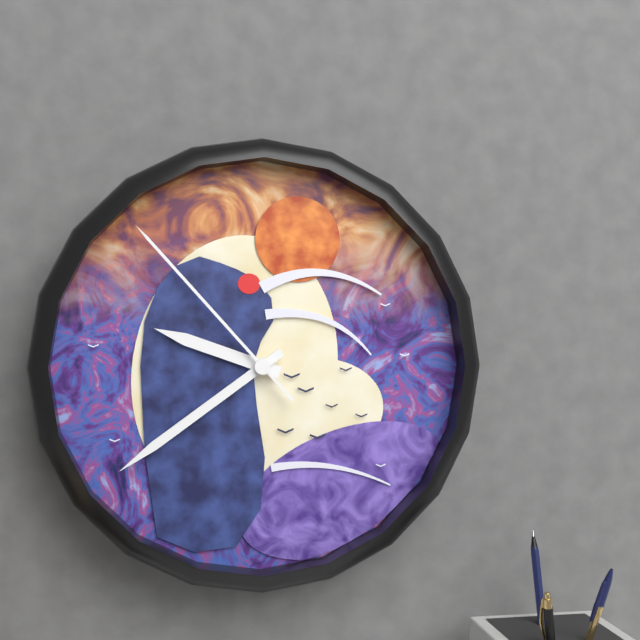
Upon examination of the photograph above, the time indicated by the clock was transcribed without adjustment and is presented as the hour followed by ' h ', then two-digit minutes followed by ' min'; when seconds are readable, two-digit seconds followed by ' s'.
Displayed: 9 h 39 min 53 s
